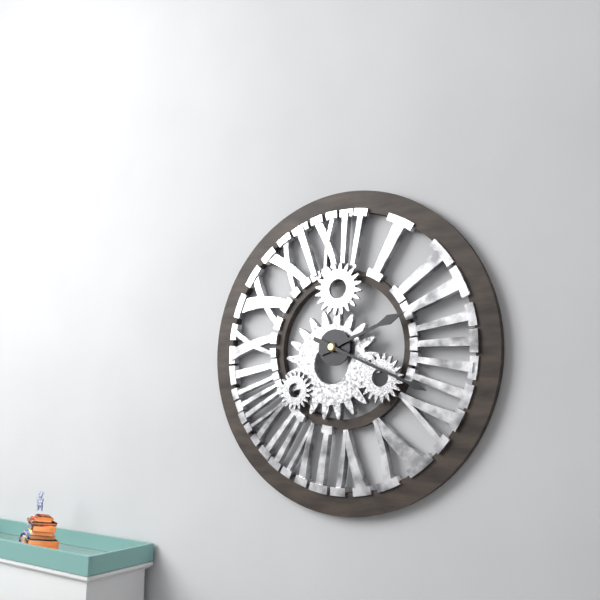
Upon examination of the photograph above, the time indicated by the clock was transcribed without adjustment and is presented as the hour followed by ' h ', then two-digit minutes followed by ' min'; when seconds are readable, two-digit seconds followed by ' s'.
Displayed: 2 h 19 min
